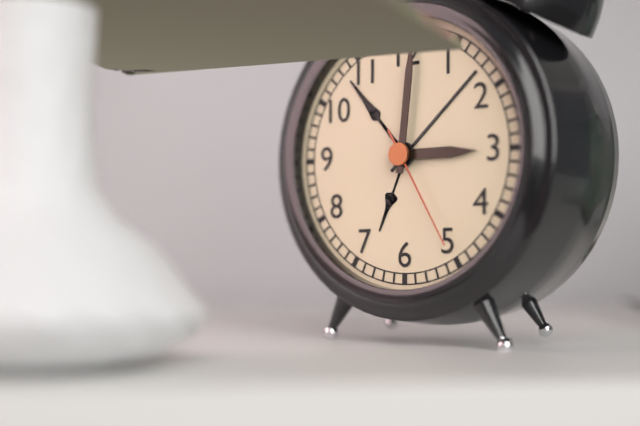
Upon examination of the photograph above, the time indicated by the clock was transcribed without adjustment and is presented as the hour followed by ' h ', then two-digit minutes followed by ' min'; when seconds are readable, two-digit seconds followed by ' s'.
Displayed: 3 h 01 min 25 s
